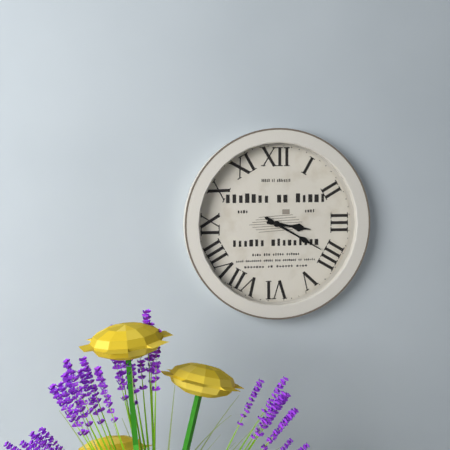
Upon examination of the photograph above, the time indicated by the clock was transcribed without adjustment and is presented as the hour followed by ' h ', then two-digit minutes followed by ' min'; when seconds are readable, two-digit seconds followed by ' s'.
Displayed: 3 h 20 min
